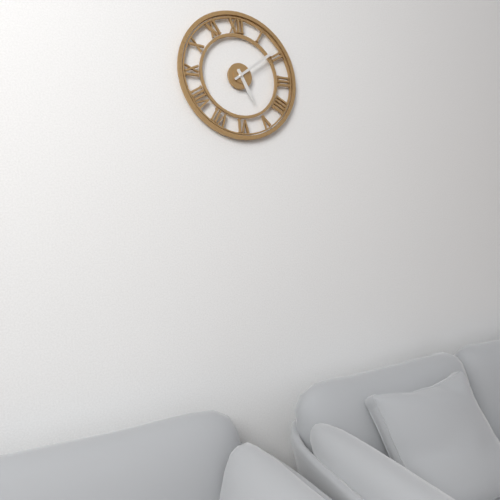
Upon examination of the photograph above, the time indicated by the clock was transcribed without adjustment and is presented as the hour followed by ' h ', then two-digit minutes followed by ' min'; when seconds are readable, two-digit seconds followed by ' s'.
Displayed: 5 h 09 min
